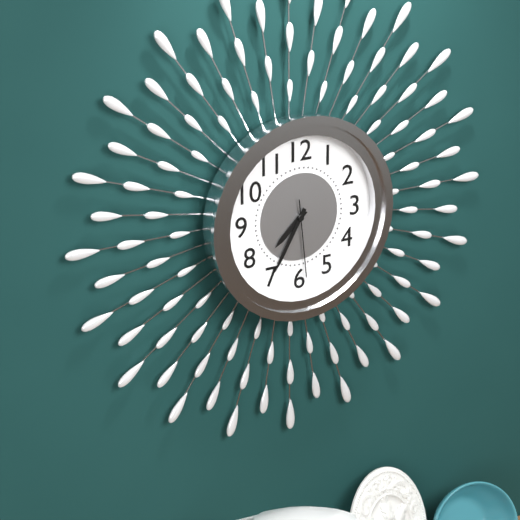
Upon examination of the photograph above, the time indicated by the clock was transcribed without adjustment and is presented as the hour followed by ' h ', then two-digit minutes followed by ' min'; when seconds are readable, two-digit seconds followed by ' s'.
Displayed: 7 h 35 min 29 s
